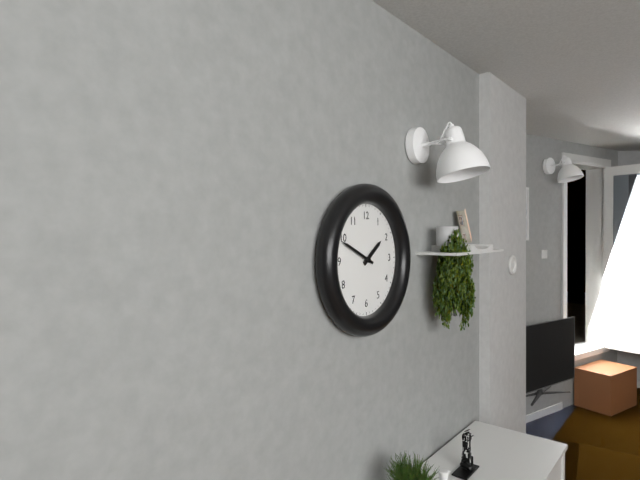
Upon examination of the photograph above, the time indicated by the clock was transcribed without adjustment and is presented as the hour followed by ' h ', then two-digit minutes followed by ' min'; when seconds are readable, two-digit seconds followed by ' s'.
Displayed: 1 h 49 min
